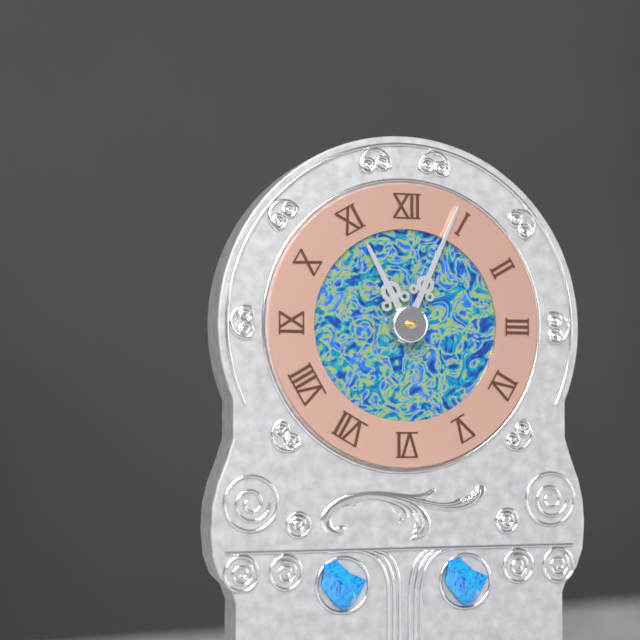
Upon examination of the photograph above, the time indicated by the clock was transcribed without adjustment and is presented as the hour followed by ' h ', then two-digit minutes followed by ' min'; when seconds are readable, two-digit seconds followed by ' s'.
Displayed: 11 h 04 min
